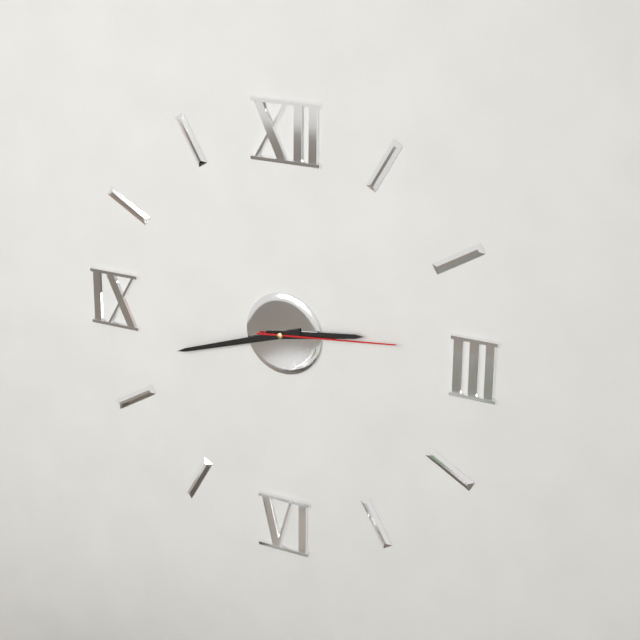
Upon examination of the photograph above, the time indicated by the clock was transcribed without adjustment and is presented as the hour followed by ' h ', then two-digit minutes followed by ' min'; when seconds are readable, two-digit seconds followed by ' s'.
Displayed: 2 h 42 min 14 s
